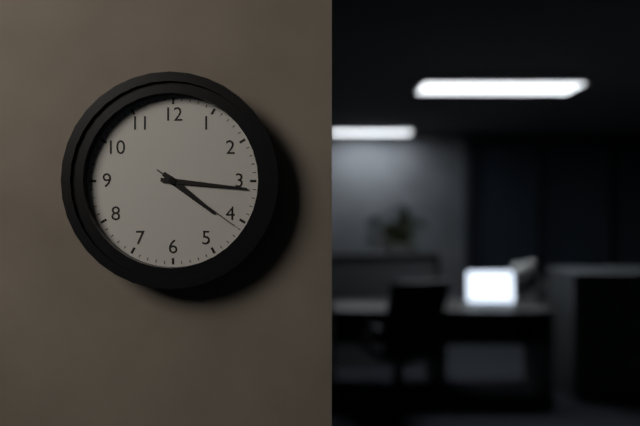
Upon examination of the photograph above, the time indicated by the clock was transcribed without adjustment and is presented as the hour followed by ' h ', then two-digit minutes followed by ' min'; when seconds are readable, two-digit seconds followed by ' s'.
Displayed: 4 h 16 min 21 s
